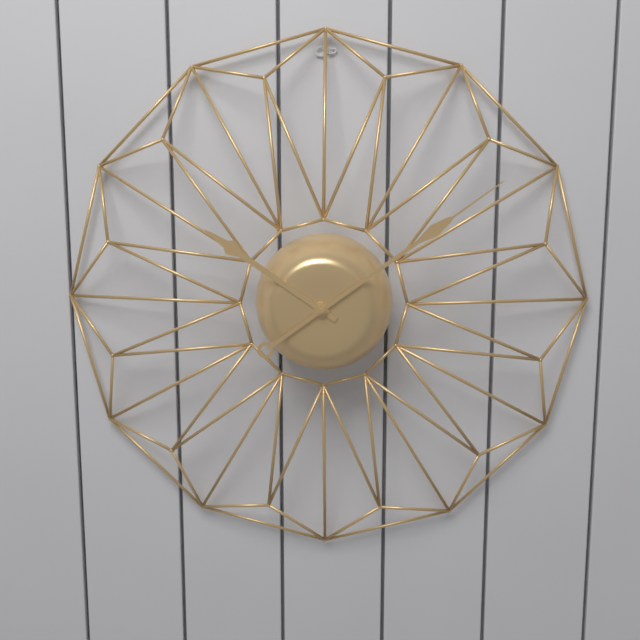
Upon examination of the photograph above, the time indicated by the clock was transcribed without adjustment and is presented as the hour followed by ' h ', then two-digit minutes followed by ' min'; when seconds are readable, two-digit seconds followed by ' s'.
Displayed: 10 h 09 min
